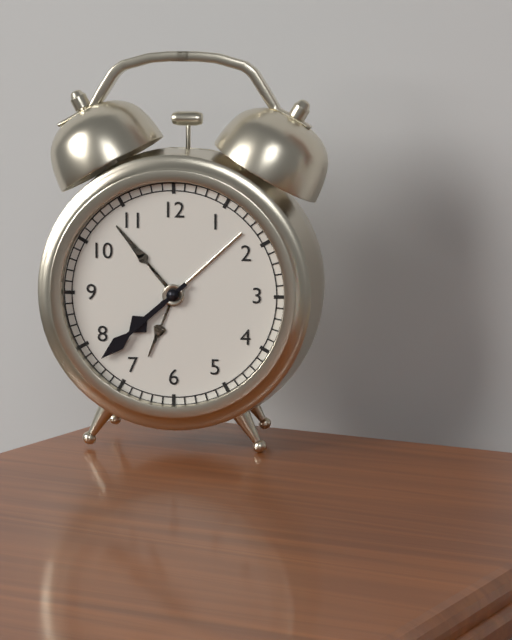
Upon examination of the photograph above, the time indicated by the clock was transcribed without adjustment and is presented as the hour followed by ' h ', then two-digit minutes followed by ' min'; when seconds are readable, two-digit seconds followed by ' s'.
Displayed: 7 h 38 min
